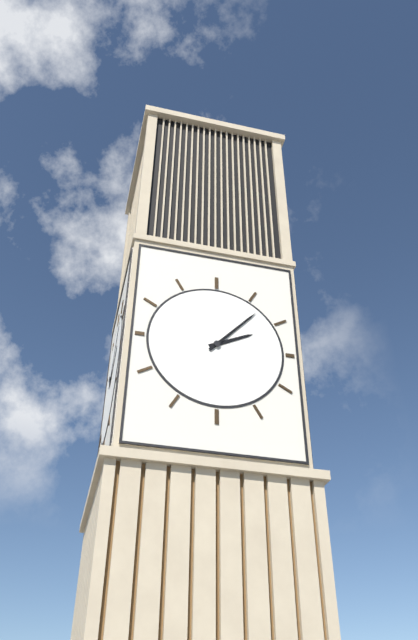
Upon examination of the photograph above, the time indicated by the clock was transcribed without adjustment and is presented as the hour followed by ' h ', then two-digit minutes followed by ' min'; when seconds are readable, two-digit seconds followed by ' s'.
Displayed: 2 h 07 min
